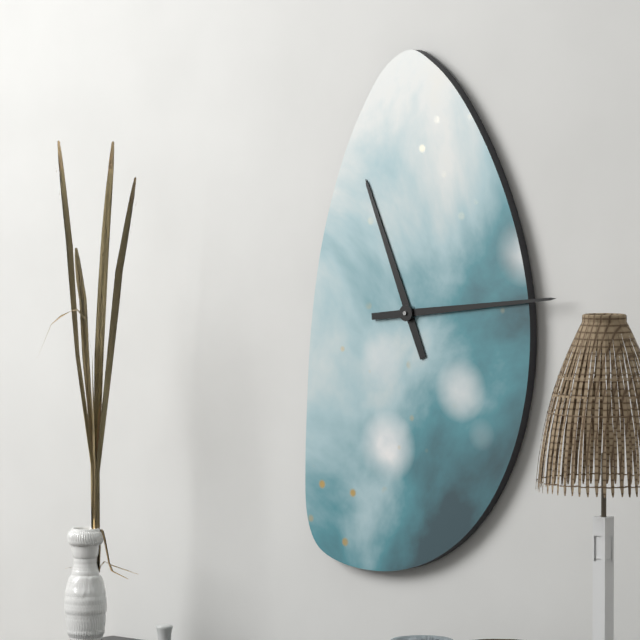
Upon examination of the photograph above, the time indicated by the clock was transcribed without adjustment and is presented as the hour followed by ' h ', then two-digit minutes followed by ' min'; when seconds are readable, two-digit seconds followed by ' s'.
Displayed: 11 h 14 min
